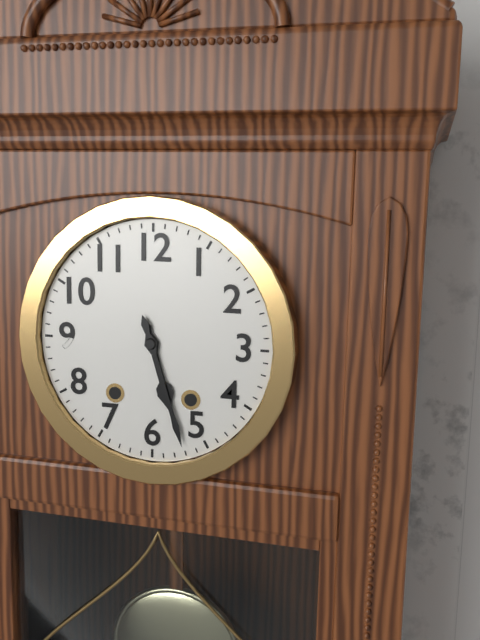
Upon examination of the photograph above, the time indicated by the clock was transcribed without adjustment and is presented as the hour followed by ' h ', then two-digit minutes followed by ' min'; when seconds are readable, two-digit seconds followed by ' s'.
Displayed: 5 h 27 min
